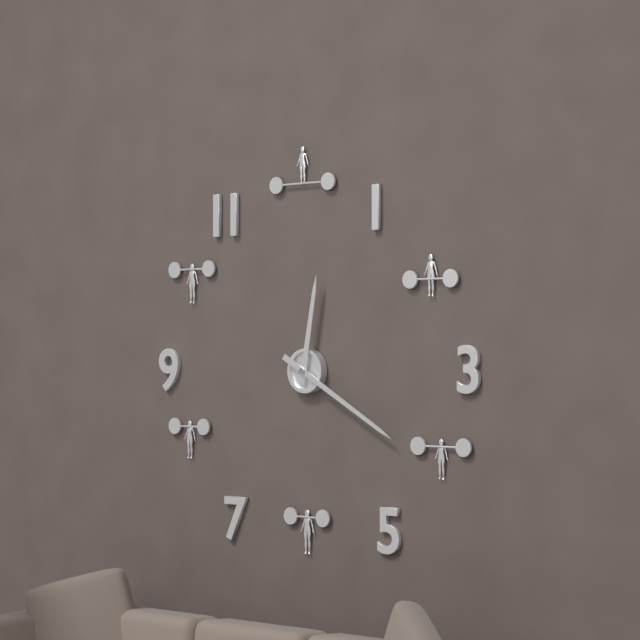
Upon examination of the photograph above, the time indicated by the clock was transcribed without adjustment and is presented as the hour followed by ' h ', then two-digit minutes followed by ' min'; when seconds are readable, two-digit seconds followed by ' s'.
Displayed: 12 h 20 min
